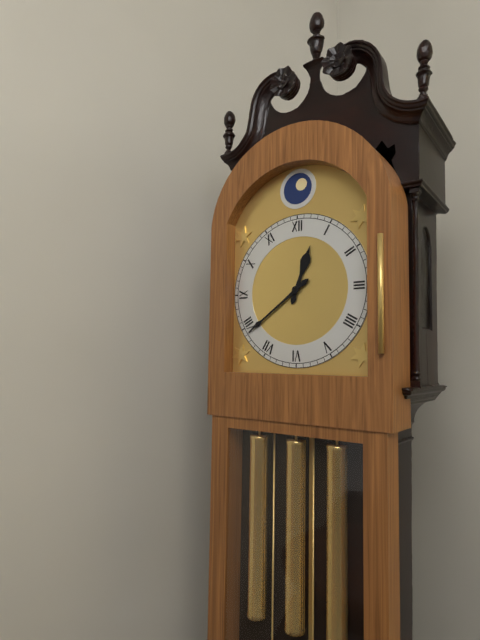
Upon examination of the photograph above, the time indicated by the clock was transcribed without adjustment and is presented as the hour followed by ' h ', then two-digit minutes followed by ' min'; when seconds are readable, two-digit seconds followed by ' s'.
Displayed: 12 h 39 min
